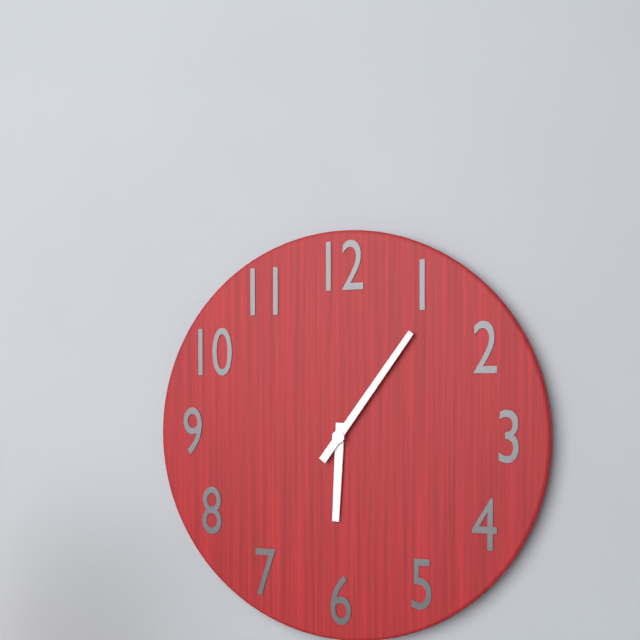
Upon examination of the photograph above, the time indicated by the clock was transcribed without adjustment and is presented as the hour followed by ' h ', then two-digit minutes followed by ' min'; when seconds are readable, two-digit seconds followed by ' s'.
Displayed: 6 h 06 min
